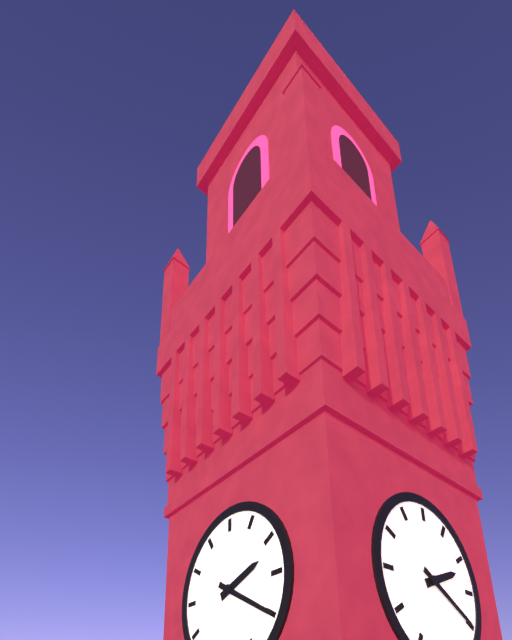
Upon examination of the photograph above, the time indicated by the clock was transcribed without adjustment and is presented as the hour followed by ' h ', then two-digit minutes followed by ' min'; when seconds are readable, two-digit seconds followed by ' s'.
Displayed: 2 h 20 min
